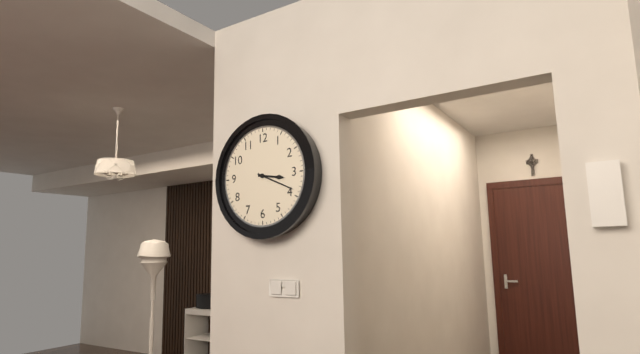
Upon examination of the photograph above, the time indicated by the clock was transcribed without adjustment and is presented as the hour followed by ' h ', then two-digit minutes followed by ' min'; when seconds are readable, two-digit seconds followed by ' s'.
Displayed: 3 h 19 min
